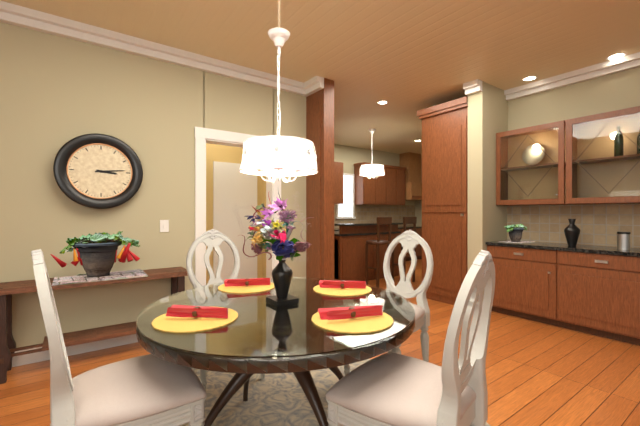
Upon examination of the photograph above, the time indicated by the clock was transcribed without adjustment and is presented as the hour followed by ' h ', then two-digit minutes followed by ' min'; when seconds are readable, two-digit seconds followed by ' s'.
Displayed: 3 h 14 min
